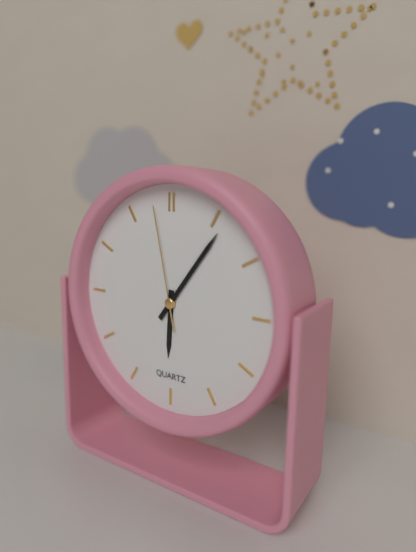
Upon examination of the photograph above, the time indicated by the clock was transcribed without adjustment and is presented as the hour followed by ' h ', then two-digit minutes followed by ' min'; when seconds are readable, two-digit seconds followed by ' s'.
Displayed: 6 h 06 min 58 s
